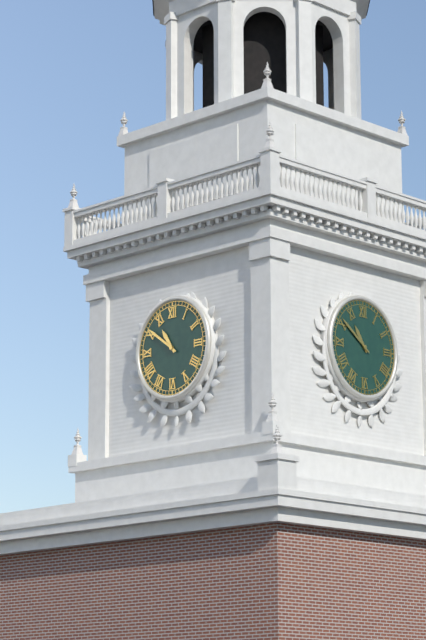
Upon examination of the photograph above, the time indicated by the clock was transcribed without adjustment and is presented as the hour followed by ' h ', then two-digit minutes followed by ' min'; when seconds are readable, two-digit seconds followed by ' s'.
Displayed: 10 h 51 min
